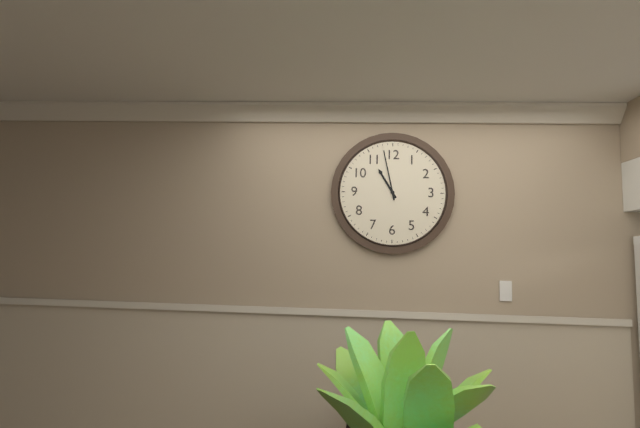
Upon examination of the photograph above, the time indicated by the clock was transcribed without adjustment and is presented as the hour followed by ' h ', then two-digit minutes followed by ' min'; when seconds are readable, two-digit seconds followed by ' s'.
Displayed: 10 h 58 min
